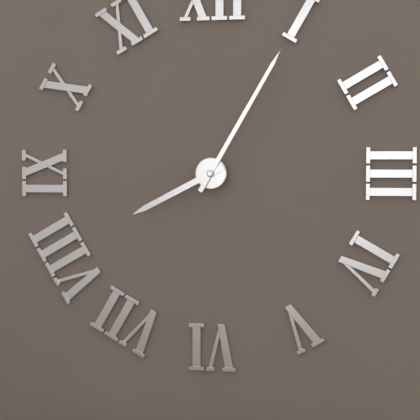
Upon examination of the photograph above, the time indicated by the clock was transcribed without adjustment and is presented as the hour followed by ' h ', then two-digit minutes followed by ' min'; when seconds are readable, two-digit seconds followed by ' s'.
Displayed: 8 h 05 min
